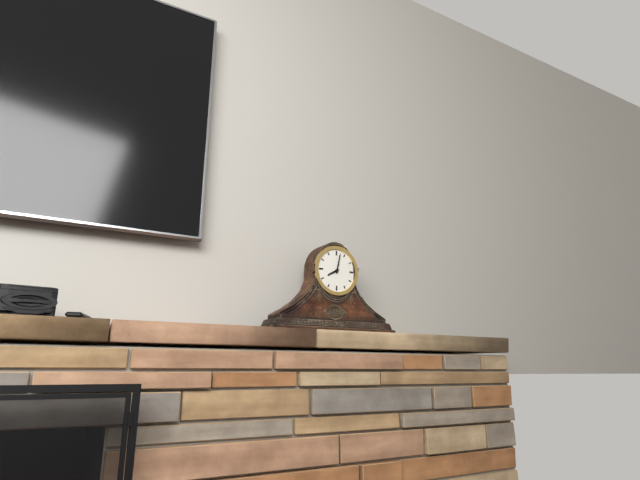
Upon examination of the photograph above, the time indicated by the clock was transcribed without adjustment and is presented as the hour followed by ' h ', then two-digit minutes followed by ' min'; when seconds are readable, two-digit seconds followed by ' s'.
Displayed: 8 h 02 min
